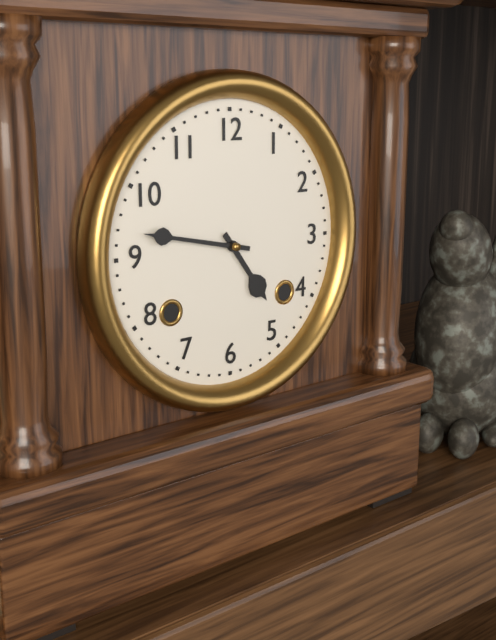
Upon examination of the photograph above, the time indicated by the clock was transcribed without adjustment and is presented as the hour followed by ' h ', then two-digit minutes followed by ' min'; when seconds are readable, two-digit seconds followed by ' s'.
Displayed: 4 h 47 min
